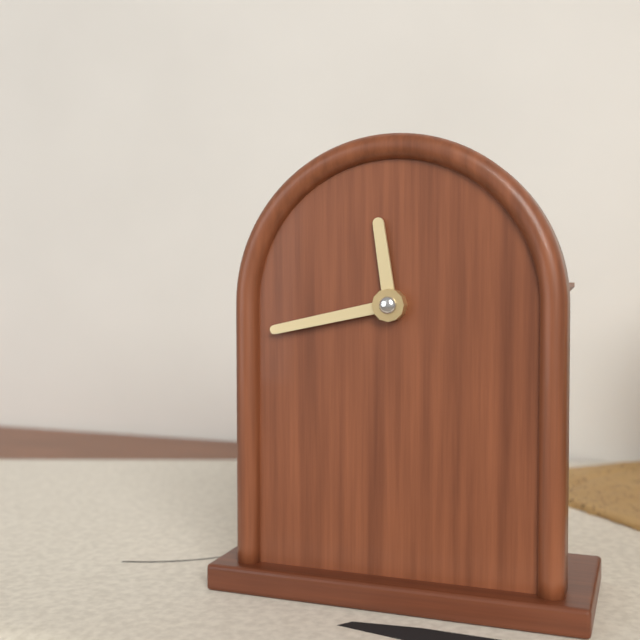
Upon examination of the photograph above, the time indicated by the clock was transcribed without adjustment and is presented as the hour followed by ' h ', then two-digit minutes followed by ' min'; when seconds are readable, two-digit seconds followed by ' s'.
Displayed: 11 h 43 min
